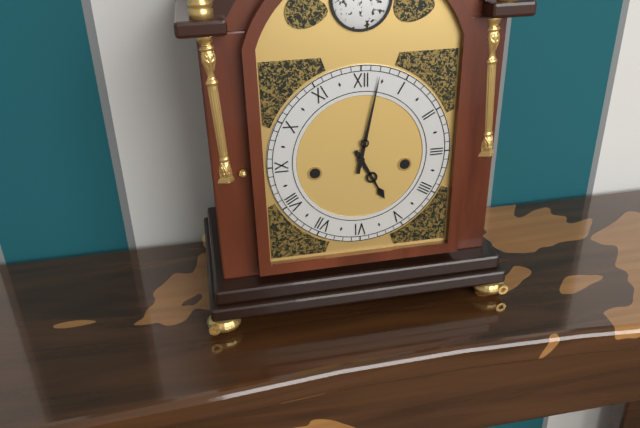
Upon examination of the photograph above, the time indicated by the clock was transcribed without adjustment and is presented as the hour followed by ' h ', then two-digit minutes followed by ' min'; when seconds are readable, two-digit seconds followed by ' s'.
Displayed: 5 h 02 min
